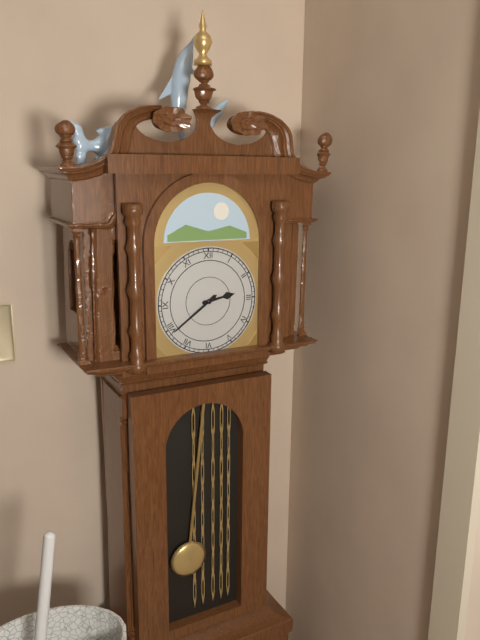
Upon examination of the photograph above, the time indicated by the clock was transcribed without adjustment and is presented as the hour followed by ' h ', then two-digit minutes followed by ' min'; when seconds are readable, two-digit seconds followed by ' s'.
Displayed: 2 h 39 min
